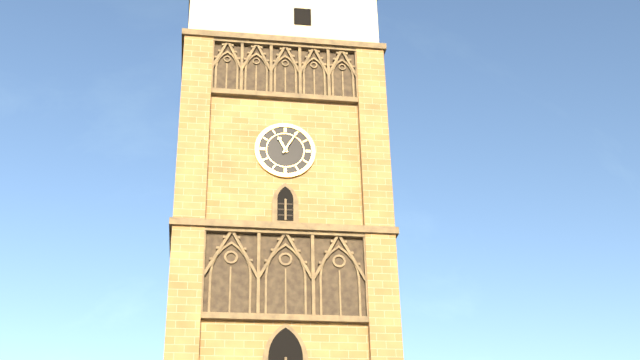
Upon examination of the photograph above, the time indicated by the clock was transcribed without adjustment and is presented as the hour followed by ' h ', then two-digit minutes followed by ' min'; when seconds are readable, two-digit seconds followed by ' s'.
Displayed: 11 h 05 min
